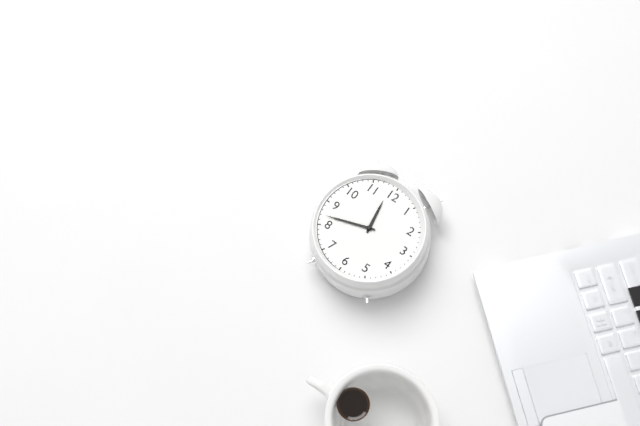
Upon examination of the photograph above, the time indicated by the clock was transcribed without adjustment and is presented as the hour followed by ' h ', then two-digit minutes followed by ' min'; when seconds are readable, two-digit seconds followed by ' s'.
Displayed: 11 h 42 min
